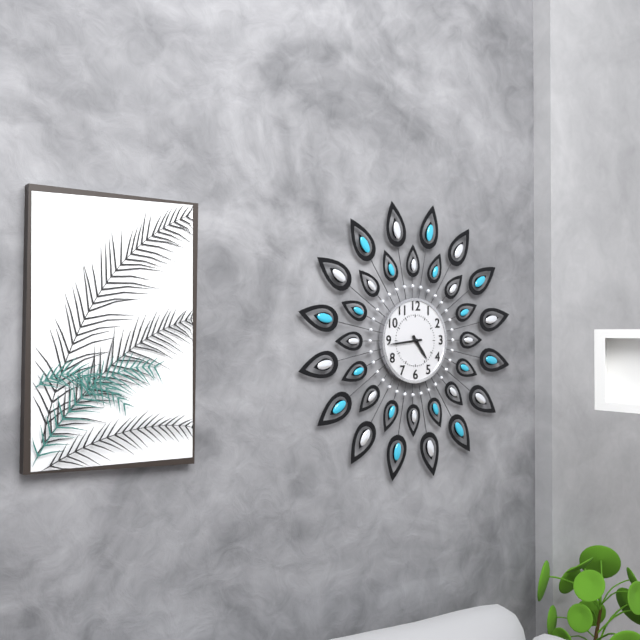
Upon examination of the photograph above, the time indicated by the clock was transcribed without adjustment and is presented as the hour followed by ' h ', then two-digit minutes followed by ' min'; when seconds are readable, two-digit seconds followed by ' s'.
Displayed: 4 h 44 min
